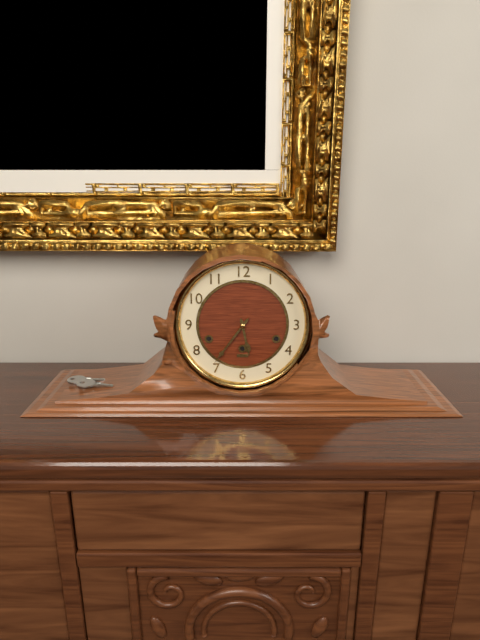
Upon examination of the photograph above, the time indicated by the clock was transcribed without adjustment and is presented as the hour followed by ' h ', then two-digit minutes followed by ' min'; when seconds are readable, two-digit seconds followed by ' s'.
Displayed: 5 h 36 min
